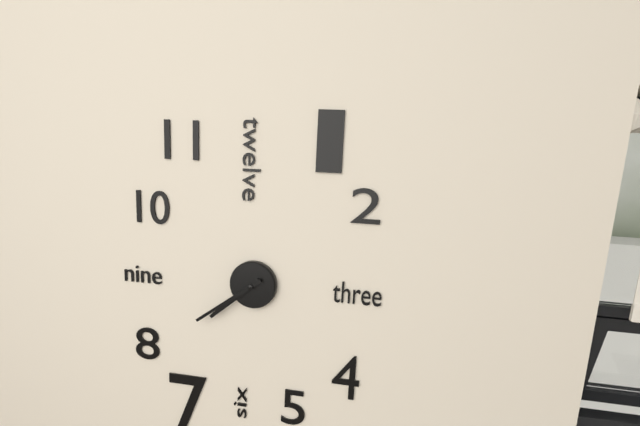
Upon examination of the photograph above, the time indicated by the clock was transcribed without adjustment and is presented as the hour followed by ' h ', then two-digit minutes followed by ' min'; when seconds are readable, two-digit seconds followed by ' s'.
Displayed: 7 h 39 min
